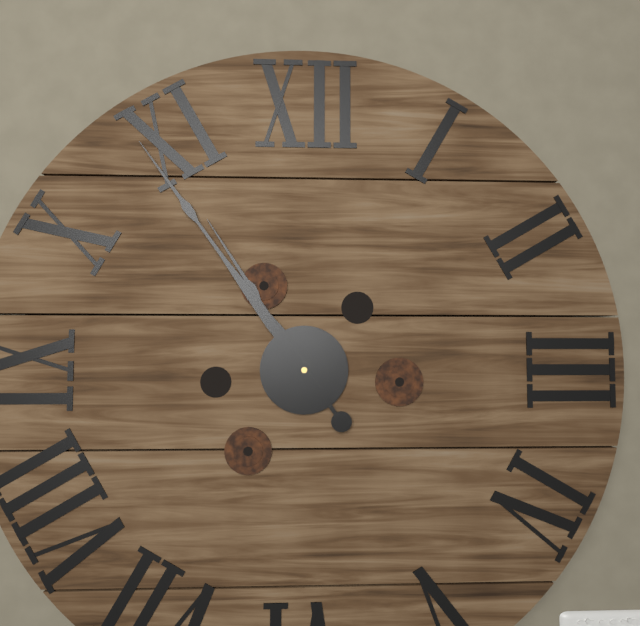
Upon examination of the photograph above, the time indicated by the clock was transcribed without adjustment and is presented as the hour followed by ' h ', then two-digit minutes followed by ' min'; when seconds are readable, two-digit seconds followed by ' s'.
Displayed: 10 h 54 min
